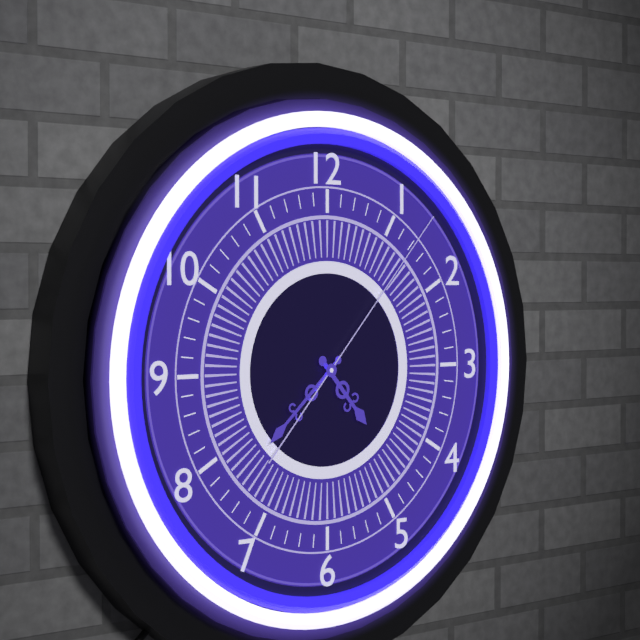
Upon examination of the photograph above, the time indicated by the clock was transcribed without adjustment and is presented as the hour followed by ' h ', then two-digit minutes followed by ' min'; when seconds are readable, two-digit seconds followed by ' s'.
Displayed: 4 h 38 min 07 s
